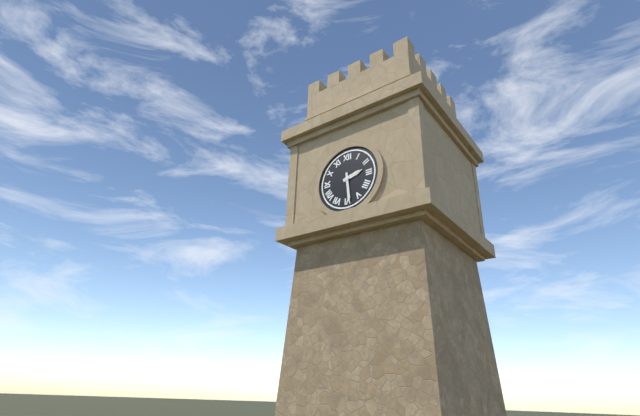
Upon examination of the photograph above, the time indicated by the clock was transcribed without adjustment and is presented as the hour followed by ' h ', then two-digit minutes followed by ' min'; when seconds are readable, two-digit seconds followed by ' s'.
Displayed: 2 h 29 min
